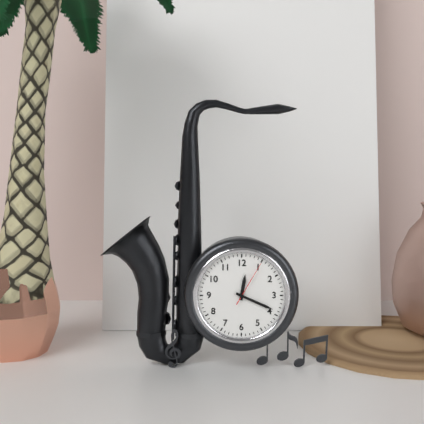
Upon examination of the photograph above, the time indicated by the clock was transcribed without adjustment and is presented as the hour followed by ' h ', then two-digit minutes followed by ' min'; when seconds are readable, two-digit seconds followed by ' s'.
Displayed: 12 h 19 min
